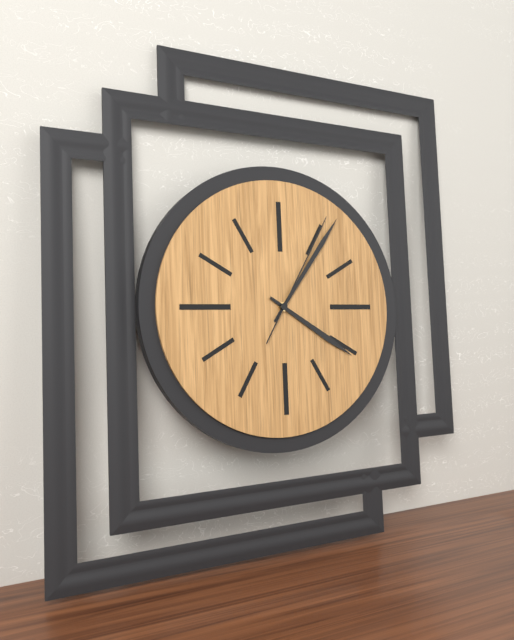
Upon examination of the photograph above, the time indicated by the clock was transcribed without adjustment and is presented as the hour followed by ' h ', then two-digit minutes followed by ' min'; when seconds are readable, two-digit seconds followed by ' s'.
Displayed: 4 h 06 min 05 s
